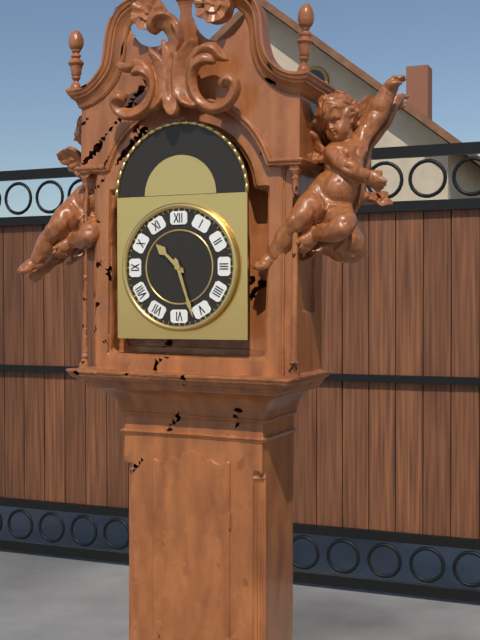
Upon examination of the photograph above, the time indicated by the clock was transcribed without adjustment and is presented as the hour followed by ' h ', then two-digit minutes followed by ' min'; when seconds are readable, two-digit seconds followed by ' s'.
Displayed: 10 h 27 min
